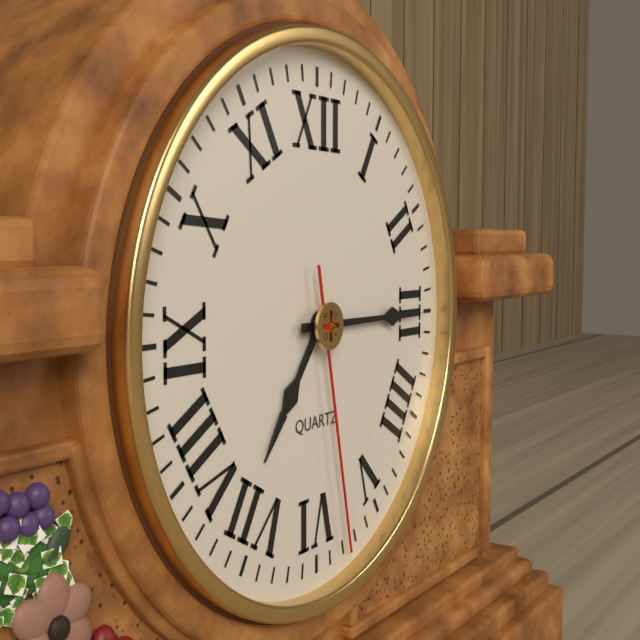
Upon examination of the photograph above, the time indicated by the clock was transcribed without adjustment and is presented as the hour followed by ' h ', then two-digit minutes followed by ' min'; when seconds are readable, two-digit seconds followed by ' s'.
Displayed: 7 h 15 min 28 s
